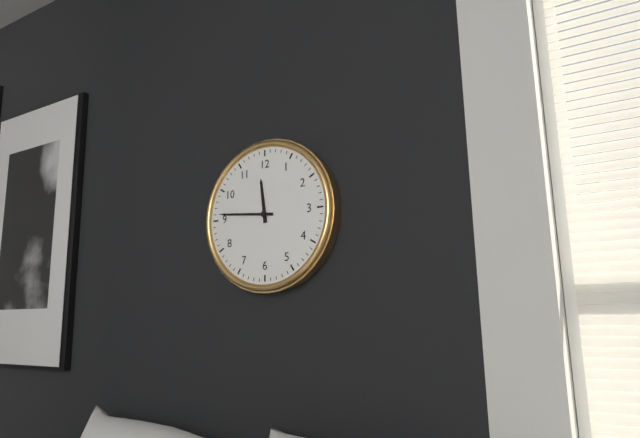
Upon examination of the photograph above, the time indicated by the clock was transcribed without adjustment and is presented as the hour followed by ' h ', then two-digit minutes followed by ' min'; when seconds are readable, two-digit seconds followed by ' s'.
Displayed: 11 h 46 min
